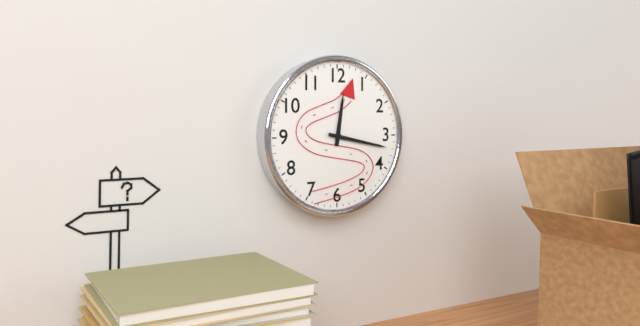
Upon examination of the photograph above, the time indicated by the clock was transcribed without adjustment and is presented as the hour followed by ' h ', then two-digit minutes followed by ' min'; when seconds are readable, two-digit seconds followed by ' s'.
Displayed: 12 h 17 min
